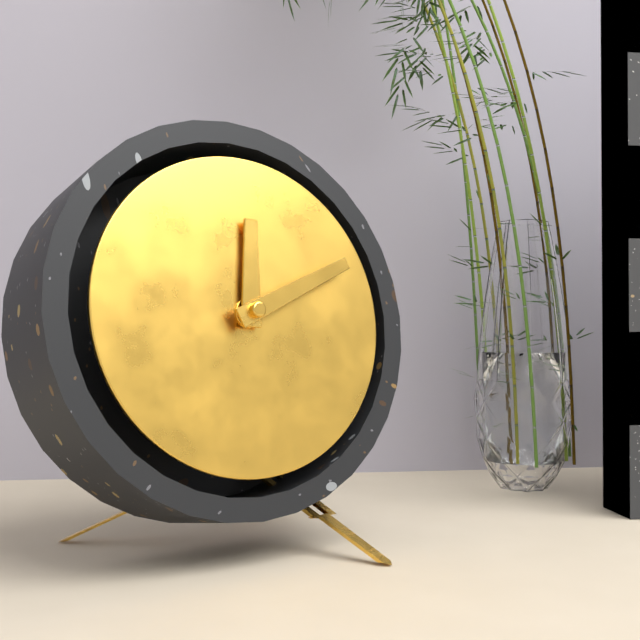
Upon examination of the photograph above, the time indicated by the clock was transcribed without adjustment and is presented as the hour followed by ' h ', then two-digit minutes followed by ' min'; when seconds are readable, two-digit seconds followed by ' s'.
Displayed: 12 h 11 min
